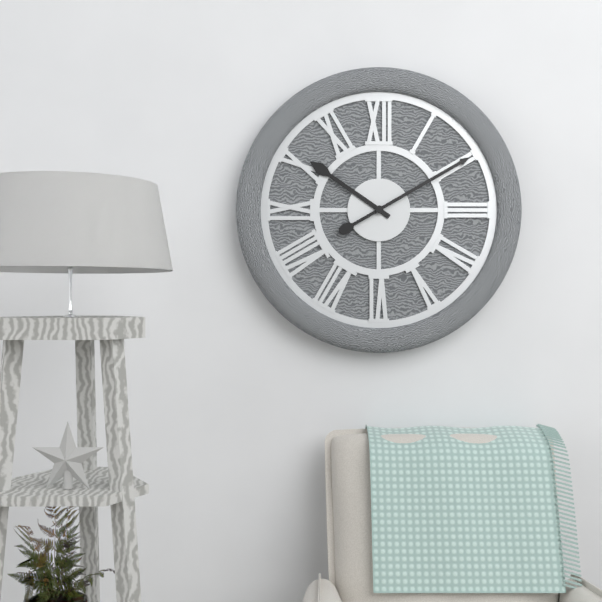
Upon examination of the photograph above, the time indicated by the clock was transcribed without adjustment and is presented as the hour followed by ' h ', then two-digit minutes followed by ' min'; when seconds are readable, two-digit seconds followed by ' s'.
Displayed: 10 h 10 min
